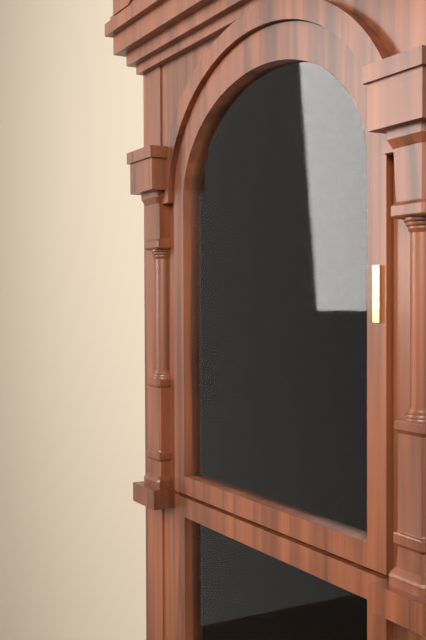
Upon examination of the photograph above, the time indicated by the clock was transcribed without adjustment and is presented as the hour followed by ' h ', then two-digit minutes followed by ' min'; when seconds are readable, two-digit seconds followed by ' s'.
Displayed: 9 h 24 min
